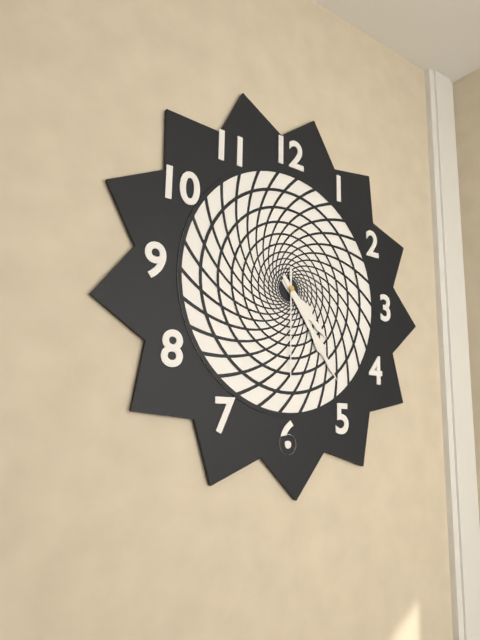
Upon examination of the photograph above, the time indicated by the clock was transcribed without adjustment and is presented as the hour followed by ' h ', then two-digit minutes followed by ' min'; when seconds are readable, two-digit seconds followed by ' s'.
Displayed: 4 h 24 min 30 s
